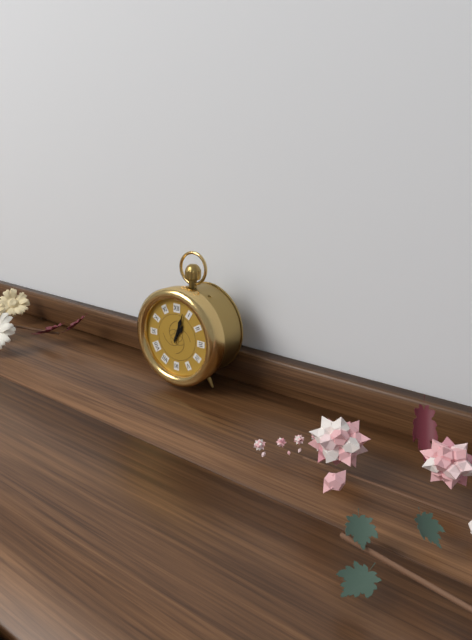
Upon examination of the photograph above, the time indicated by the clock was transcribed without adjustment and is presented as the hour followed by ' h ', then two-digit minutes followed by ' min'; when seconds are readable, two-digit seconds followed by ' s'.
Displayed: 1 h 03 min
